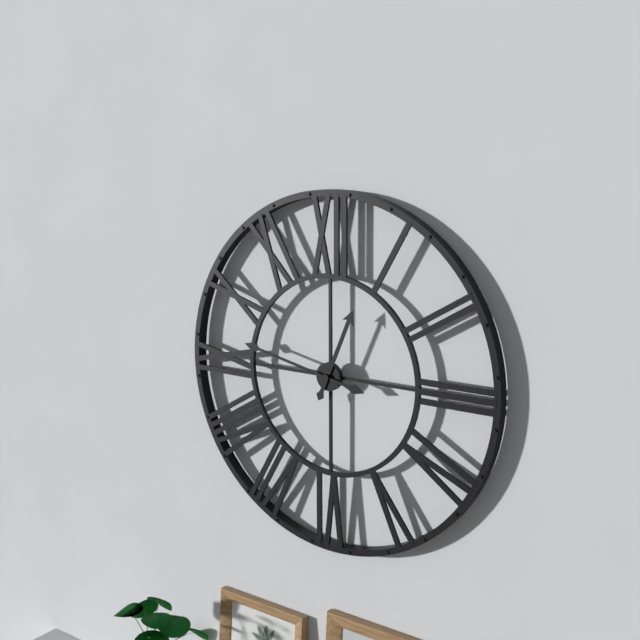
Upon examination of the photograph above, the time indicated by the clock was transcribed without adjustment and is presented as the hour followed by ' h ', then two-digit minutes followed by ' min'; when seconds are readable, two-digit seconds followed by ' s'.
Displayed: 12 h 47 min
